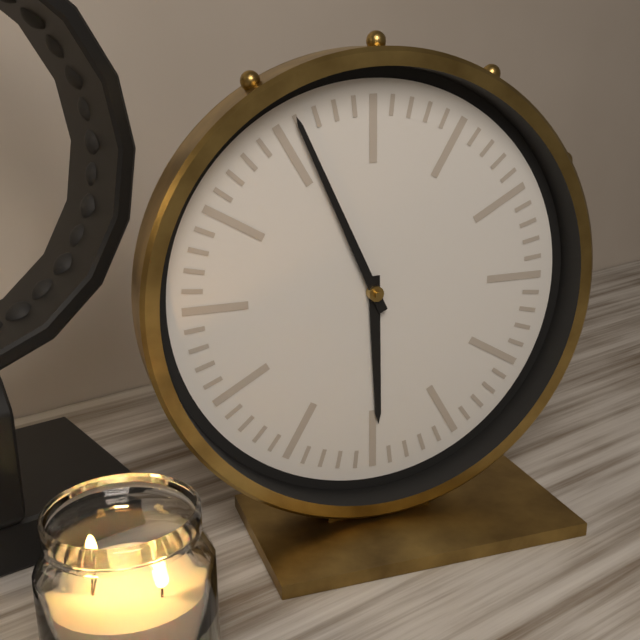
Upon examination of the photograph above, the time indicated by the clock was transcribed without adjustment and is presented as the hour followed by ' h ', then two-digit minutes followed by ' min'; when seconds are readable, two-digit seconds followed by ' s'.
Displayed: 5 h 56 min
